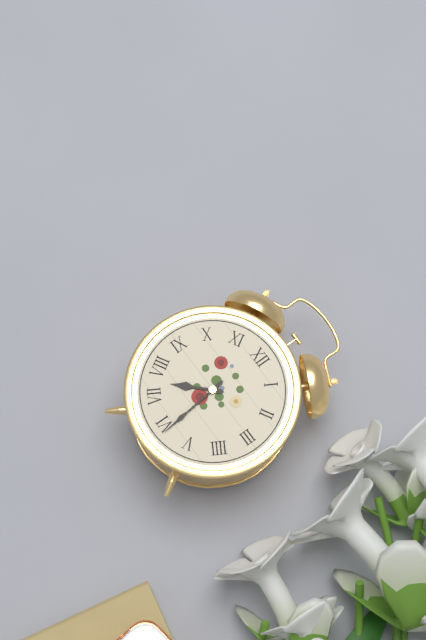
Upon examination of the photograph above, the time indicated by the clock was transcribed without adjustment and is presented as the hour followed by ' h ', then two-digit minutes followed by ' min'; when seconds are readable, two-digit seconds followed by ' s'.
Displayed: 7 h 29 min
